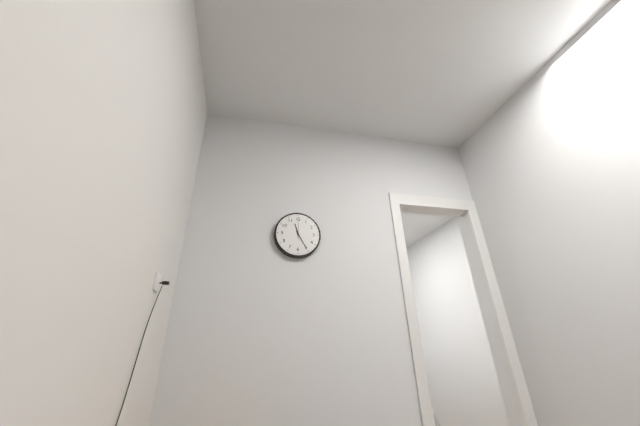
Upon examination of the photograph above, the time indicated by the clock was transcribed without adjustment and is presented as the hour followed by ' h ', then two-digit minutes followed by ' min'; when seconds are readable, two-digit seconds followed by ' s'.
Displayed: 11 h 25 min
